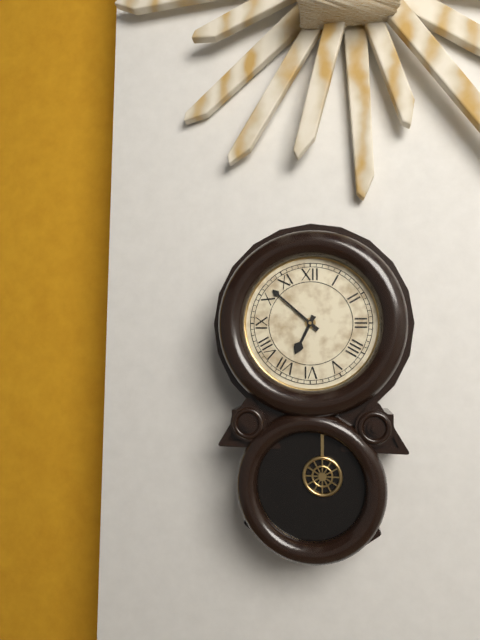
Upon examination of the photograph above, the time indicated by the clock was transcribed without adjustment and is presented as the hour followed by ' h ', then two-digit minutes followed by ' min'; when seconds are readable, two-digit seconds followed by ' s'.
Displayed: 6 h 52 min
